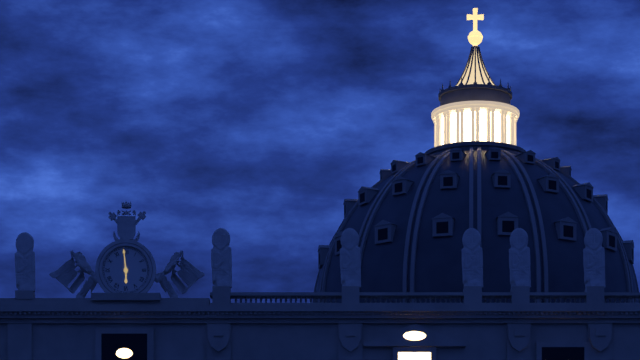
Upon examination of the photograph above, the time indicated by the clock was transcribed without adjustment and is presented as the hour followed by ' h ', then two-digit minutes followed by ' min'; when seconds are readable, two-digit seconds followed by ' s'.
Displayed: 5 h 59 min
